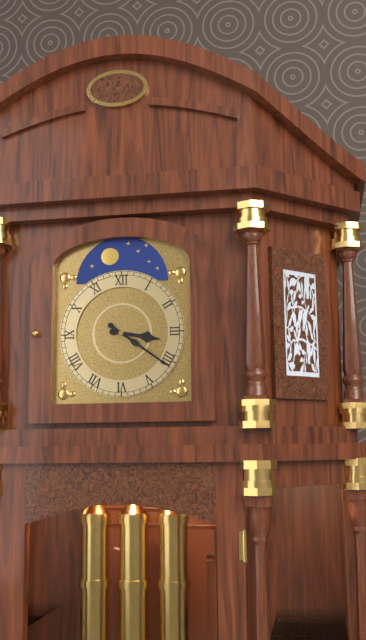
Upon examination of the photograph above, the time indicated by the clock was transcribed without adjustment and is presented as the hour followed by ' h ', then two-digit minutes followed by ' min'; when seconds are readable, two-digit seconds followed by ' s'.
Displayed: 3 h 21 min
